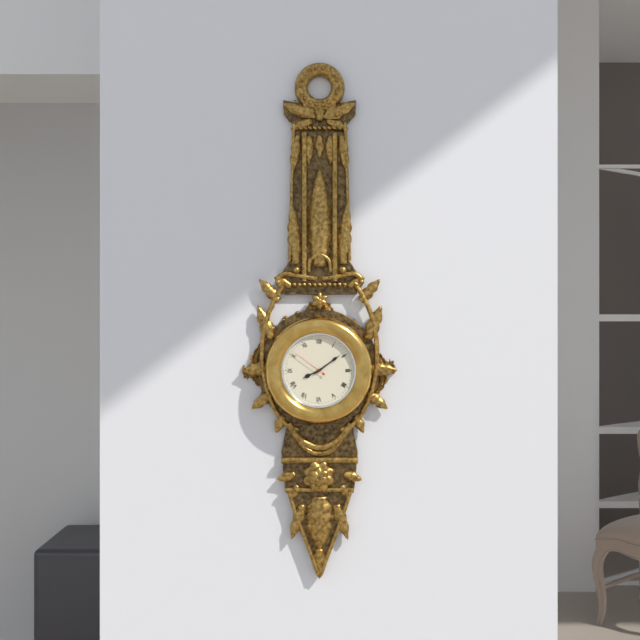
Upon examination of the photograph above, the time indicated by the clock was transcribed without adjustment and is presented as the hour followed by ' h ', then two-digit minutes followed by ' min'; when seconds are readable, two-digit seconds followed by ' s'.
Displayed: 8 h 09 min
